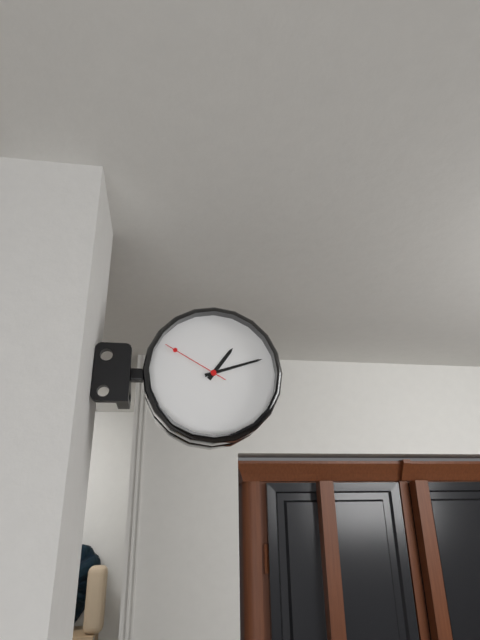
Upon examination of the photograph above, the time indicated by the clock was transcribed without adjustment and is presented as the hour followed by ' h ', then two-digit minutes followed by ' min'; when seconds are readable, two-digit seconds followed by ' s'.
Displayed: 1 h 12 min 50 s
